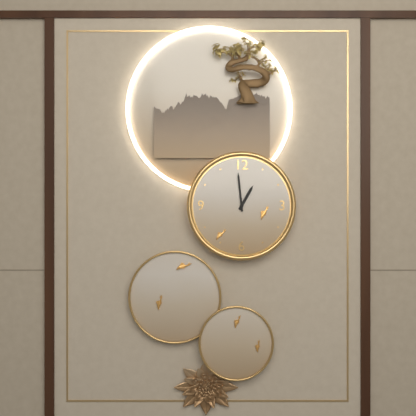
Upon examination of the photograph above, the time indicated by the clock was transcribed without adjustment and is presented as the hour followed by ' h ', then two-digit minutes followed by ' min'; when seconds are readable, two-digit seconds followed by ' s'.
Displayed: 12 h 59 min
